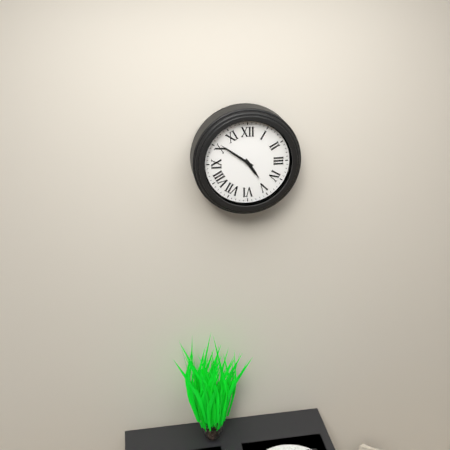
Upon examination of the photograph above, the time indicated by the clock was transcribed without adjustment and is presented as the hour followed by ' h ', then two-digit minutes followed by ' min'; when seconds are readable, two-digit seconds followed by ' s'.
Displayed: 4 h 51 min
